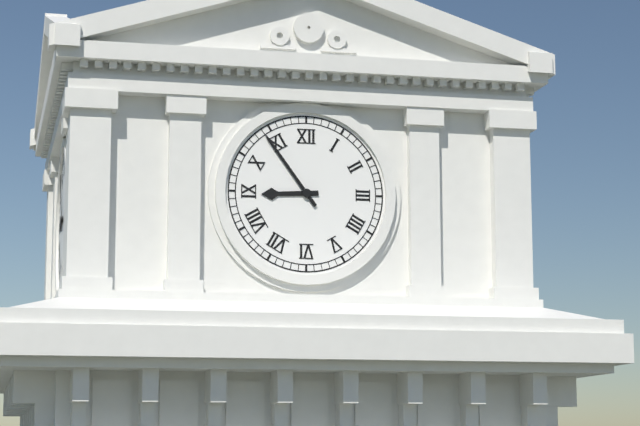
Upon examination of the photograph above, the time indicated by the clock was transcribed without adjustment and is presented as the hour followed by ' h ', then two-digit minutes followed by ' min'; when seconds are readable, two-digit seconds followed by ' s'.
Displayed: 8 h 54 min
